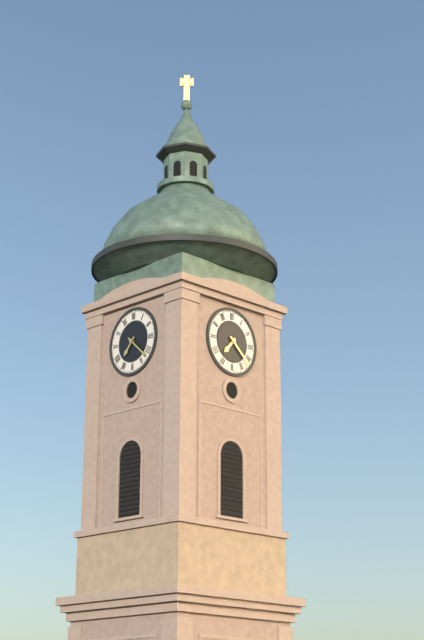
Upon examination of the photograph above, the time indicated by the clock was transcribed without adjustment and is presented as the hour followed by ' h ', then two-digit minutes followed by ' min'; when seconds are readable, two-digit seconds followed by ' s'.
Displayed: 7 h 22 min
